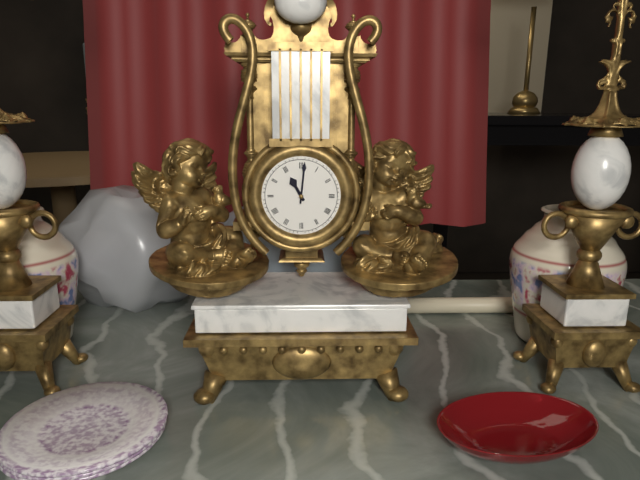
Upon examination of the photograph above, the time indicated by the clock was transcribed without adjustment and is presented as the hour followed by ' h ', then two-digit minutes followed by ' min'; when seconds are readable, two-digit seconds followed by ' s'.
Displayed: 11 h 01 min
